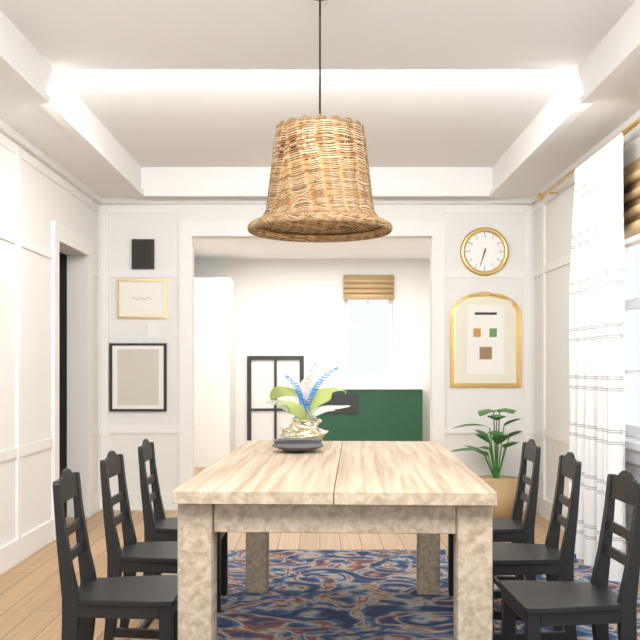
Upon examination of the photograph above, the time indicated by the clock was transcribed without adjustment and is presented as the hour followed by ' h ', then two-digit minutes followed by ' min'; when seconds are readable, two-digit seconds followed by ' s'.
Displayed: 6 h 33 min
